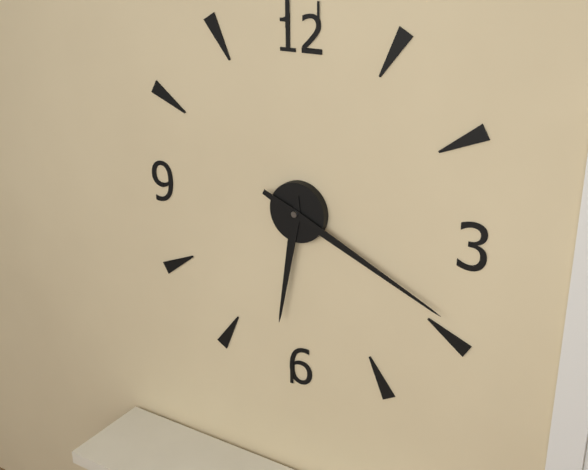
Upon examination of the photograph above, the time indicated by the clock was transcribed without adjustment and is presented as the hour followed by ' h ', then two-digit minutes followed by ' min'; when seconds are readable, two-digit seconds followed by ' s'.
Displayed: 6 h 19 min
